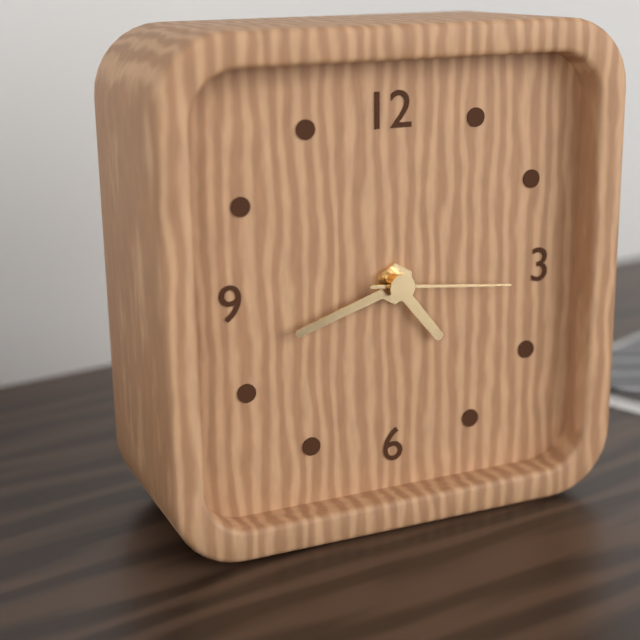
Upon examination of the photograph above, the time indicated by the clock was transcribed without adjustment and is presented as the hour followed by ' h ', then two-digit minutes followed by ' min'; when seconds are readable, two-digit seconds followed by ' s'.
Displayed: 4 h 42 min 16 s
